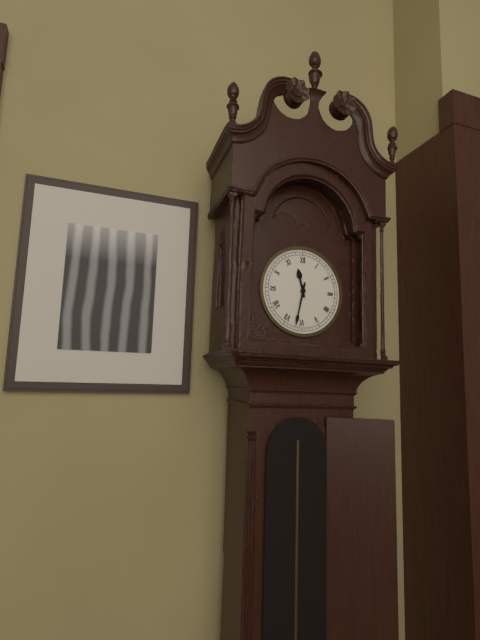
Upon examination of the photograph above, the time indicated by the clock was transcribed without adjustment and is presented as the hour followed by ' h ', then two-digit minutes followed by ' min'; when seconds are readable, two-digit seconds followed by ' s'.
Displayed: 11 h 32 min
